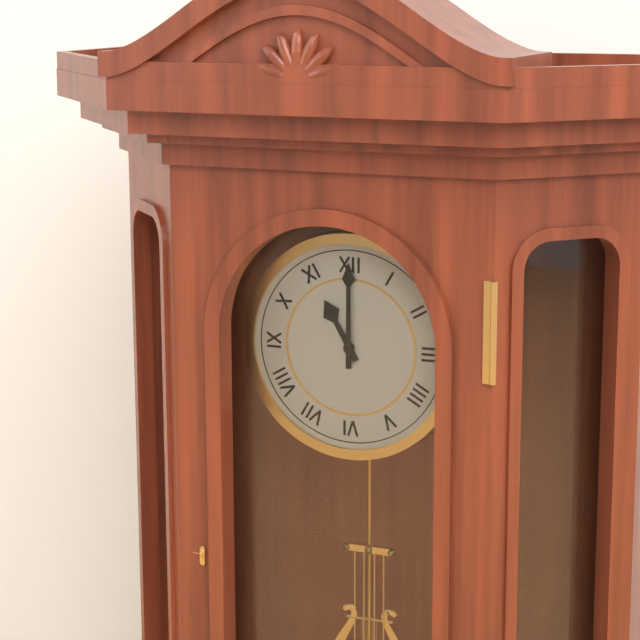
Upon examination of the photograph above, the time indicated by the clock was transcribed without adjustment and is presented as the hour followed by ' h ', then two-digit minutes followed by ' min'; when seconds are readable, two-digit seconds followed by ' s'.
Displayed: 11 h 00 min
